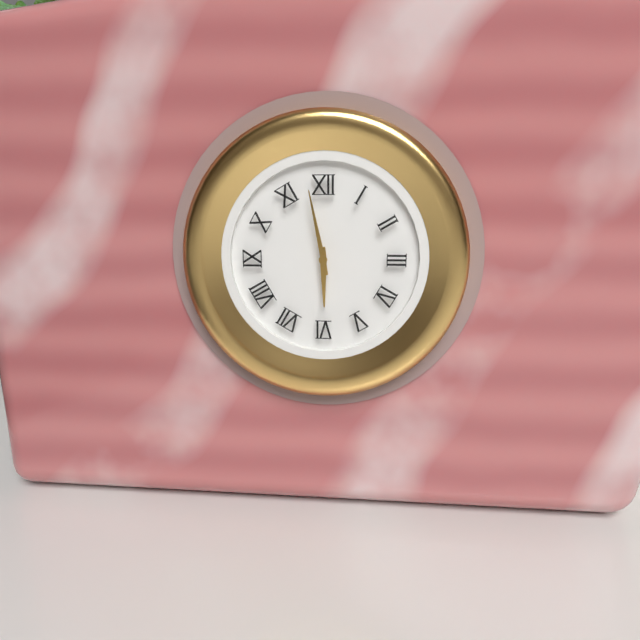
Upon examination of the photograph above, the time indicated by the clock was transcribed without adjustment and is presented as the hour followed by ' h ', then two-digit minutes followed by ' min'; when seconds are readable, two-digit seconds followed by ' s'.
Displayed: 5 h 58 min
